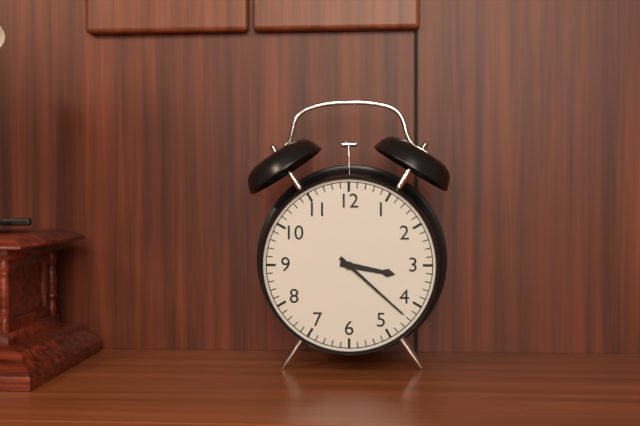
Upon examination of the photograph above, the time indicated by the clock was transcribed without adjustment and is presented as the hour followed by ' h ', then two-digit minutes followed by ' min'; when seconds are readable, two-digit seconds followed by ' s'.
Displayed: 3 h 22 min
